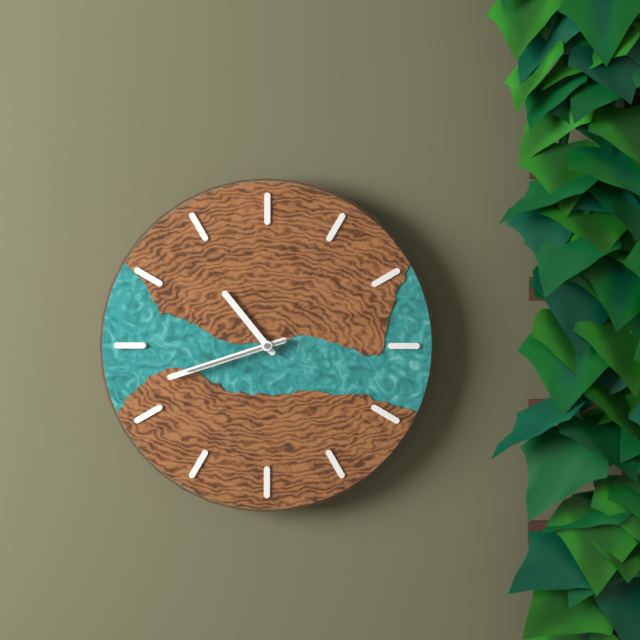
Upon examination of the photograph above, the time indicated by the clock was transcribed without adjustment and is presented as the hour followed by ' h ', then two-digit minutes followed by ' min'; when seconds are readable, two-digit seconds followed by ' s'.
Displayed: 10 h 42 min 42 s
